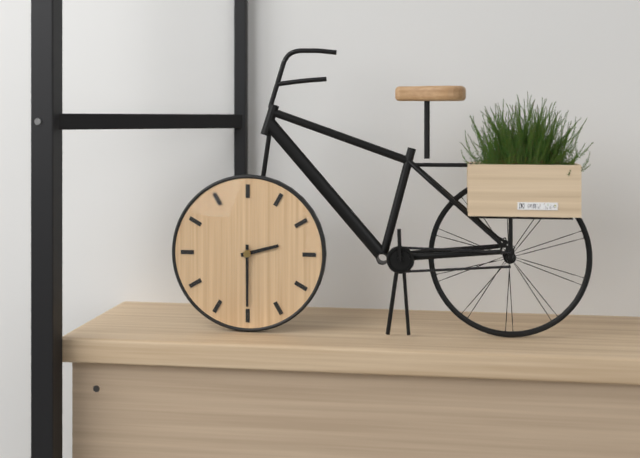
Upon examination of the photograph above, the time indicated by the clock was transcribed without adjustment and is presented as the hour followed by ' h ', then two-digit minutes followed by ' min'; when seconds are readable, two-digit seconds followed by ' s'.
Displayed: 2 h 30 min
